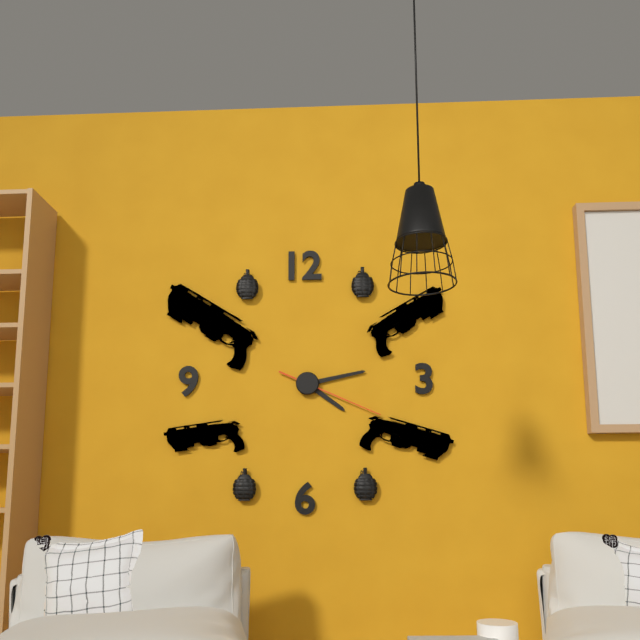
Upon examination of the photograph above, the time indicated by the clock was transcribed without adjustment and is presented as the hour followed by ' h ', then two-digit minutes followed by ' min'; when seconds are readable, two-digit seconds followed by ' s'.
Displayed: 4 h 13 min 19 s
